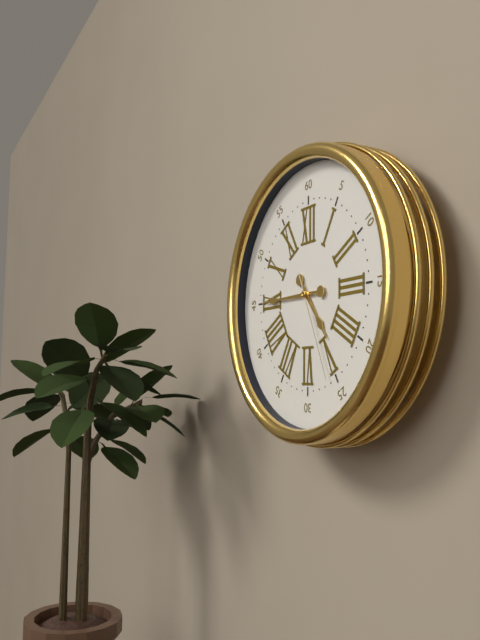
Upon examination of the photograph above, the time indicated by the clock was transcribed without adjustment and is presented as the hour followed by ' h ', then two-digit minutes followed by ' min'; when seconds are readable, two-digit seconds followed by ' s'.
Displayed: 4 h 45 min 26 s
